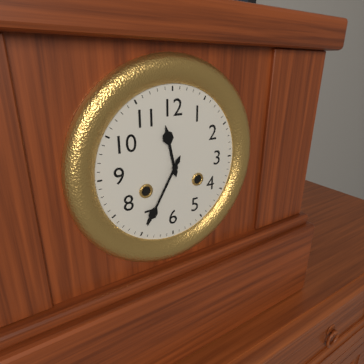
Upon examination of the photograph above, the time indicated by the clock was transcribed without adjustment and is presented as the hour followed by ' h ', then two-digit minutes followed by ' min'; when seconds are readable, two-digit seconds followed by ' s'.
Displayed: 11 h 35 min
